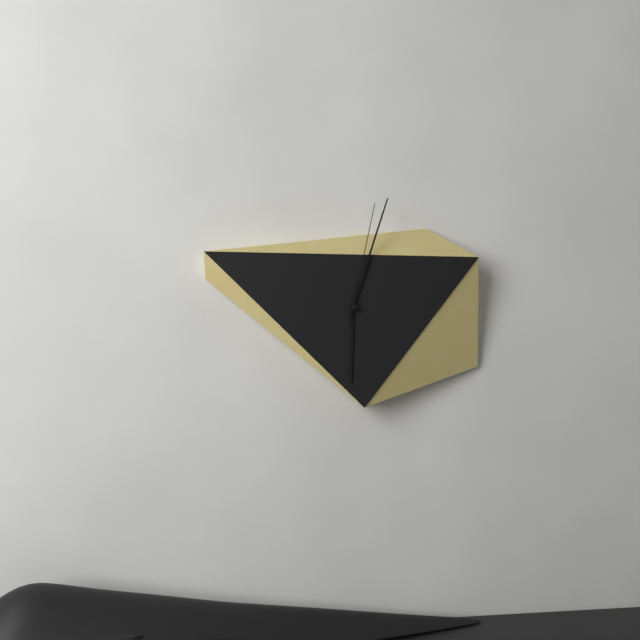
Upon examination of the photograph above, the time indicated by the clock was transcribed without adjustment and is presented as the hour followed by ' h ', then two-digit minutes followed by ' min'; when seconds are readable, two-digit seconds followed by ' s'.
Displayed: 6 h 03 min 02 s
